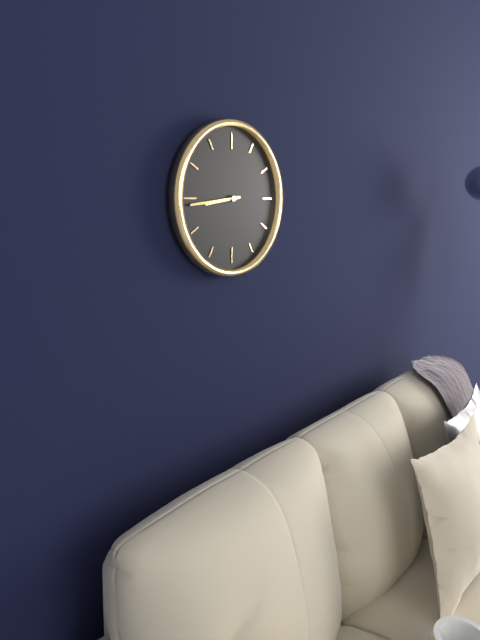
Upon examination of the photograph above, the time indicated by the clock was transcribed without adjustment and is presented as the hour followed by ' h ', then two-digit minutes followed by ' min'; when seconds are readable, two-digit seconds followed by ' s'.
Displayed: 8 h 44 min
